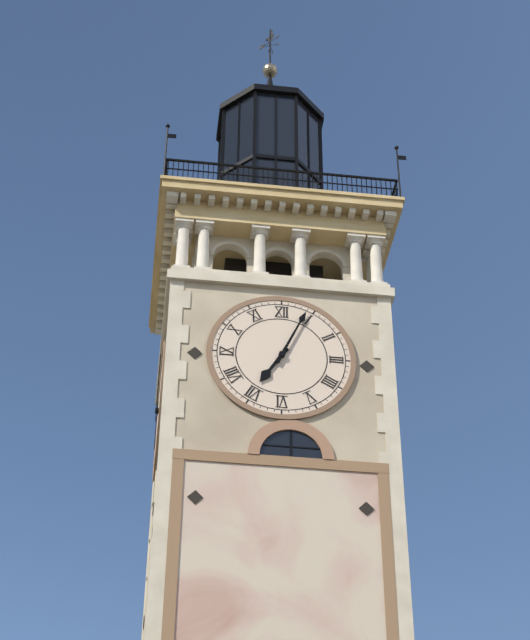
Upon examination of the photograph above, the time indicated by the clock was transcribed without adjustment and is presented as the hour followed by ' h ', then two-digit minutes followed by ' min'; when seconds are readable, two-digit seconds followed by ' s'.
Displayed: 7 h 04 min
